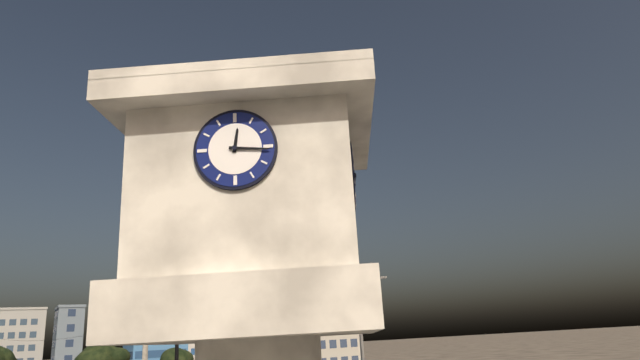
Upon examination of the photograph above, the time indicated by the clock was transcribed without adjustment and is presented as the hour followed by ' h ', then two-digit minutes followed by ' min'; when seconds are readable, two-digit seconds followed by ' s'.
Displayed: 12 h 16 min
